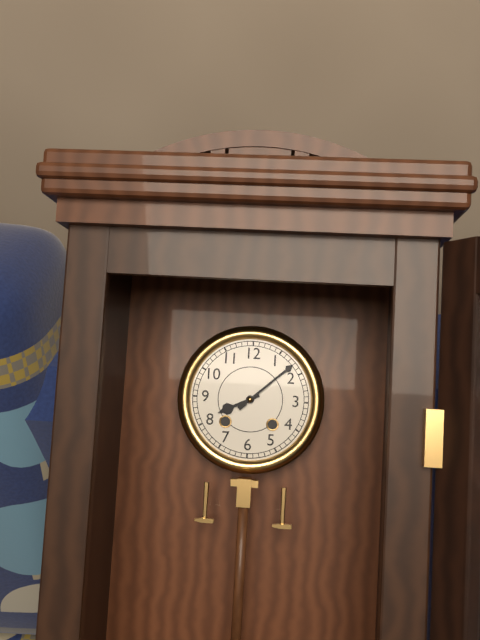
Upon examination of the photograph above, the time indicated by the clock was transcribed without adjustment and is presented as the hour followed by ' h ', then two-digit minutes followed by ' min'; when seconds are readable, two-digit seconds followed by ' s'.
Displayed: 8 h 08 min
